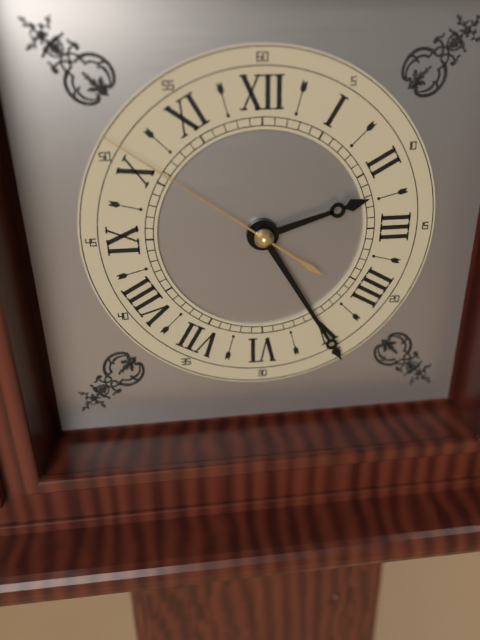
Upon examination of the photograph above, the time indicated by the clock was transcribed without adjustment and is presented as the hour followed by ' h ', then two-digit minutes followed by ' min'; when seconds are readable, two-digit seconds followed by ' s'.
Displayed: 2 h 25 min 51 s
